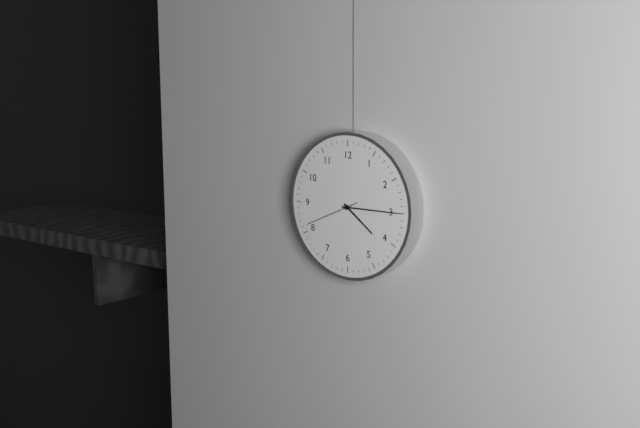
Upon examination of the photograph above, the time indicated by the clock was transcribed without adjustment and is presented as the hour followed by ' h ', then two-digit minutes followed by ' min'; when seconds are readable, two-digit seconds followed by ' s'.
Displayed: 4 h 15 min 41 s
